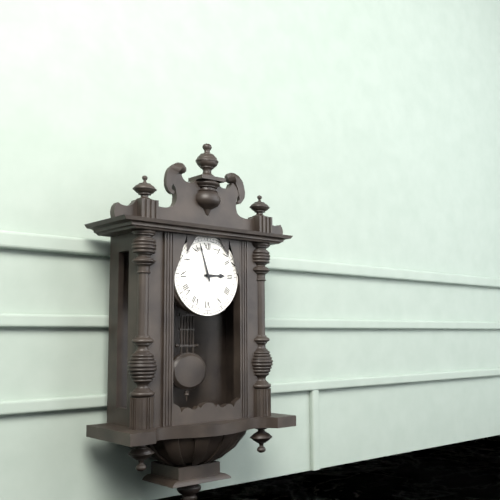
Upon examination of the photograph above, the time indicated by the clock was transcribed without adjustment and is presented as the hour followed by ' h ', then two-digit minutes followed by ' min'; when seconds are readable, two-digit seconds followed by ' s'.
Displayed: 2 h 57 min
